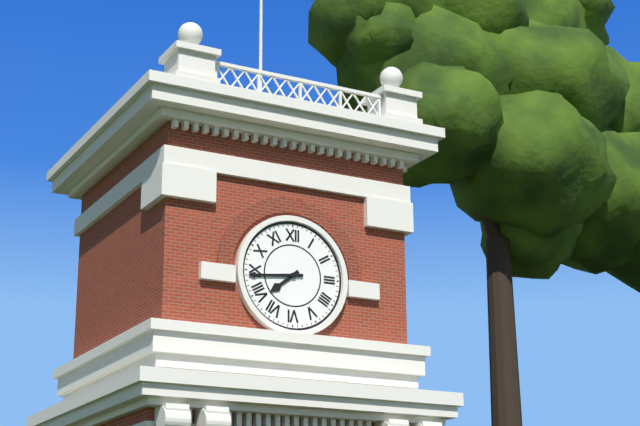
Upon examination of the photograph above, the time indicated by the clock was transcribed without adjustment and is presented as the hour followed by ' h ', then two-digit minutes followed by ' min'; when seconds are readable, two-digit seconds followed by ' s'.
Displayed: 7 h 44 min
